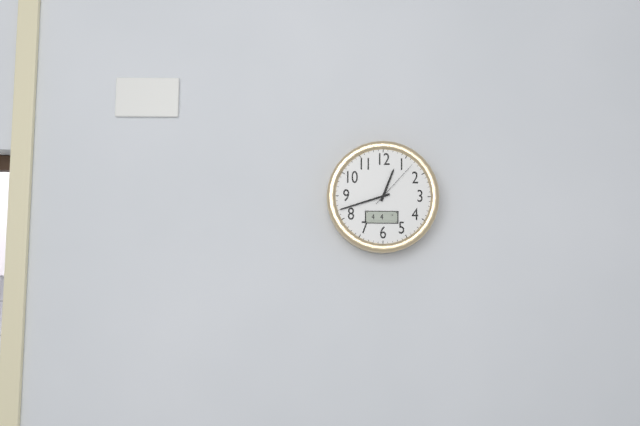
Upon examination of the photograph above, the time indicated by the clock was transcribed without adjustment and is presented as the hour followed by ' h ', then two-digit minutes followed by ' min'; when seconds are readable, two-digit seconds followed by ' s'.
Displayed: 12 h 42 min 07 s
